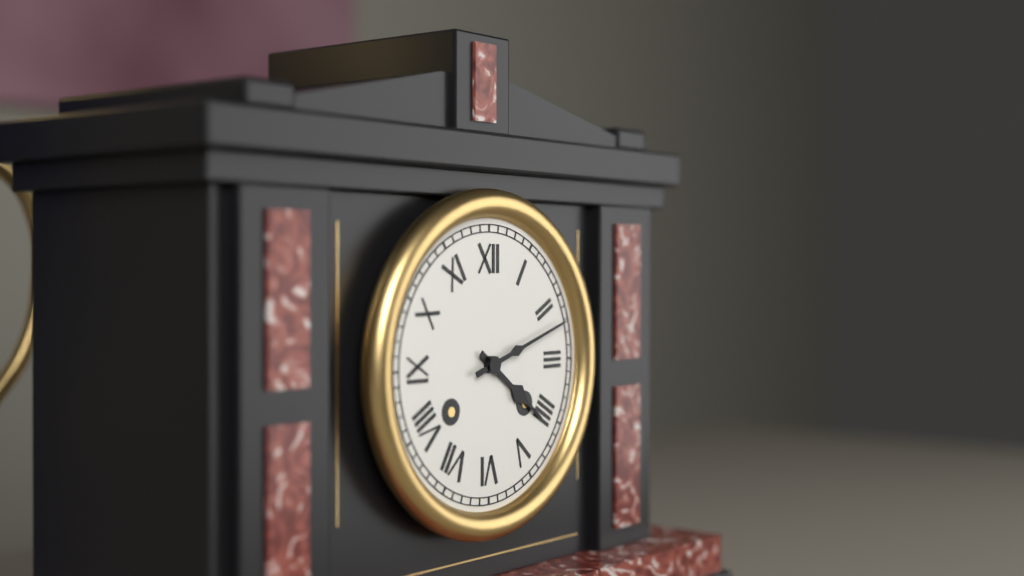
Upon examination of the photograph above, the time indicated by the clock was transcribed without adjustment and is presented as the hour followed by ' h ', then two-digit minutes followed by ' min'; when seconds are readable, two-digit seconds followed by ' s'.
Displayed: 4 h 12 min
